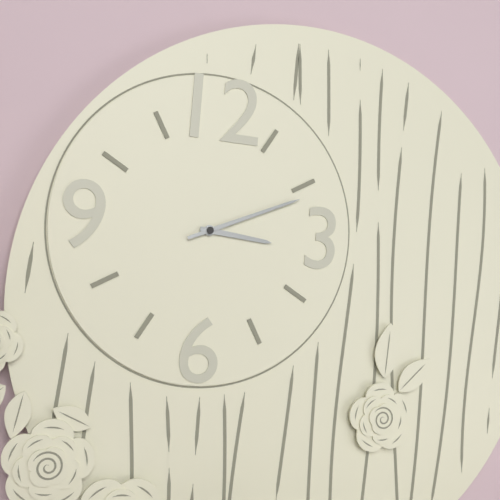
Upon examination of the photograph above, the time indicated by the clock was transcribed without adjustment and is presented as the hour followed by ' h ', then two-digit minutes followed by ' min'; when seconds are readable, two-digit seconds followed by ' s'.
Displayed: 3 h 11 min
